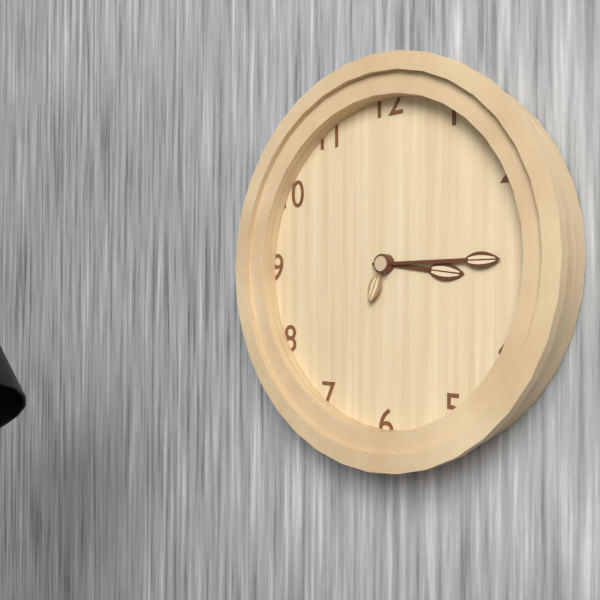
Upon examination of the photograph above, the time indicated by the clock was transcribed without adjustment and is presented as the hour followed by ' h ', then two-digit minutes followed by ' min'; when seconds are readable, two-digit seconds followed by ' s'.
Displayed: 3 h 15 min 34 s
